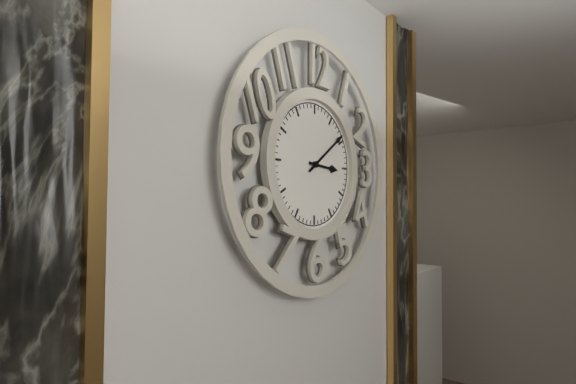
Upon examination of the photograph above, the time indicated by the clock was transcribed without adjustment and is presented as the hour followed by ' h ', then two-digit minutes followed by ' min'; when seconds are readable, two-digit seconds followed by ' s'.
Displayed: 3 h 09 min
